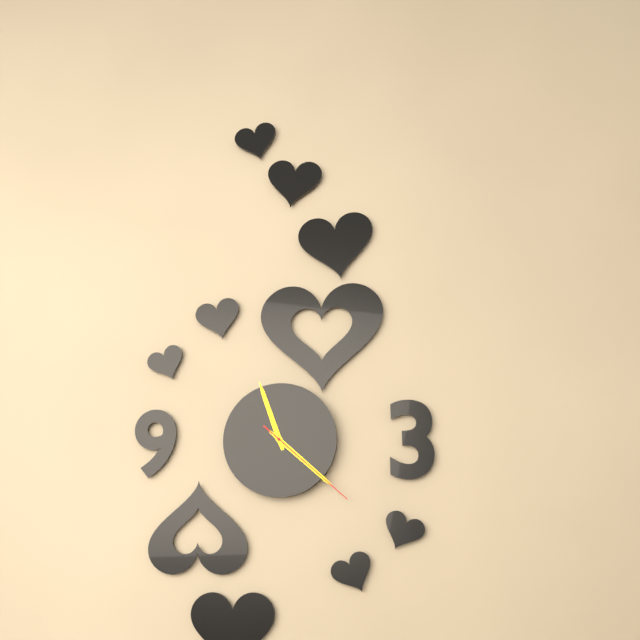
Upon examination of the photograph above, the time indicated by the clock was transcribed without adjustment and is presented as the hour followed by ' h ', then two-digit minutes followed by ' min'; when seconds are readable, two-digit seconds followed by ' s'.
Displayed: 11 h 22 min 22 s
